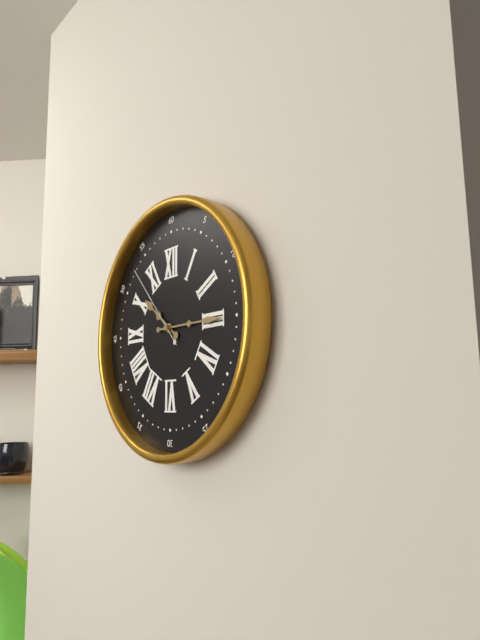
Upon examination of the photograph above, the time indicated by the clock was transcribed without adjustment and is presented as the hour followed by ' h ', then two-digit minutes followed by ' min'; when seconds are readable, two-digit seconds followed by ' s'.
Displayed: 10 h 15 min 53 s
